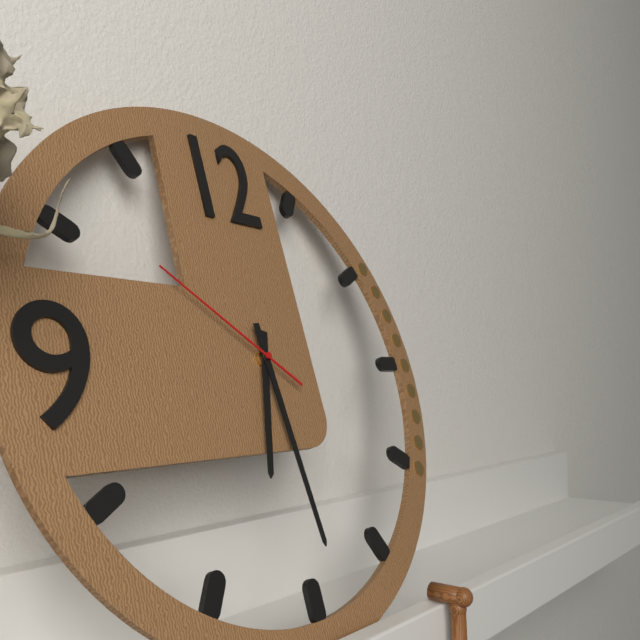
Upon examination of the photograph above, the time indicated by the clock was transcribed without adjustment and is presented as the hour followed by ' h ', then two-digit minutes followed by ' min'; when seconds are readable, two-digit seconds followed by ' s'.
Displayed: 6 h 29 min 51 s
